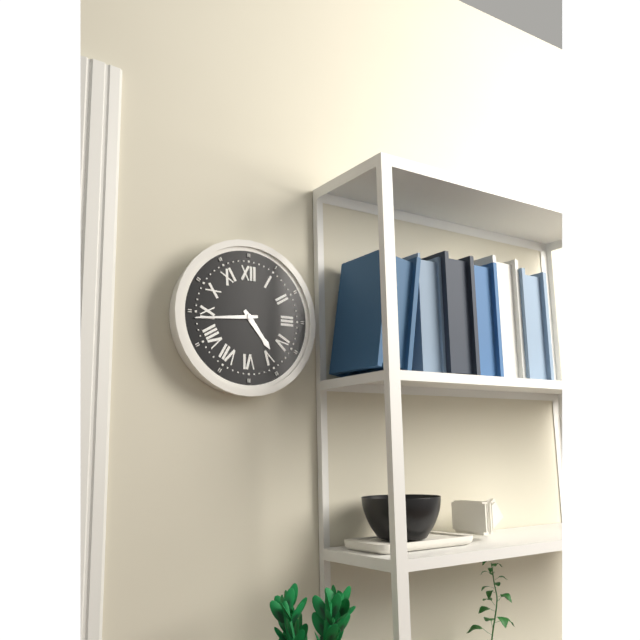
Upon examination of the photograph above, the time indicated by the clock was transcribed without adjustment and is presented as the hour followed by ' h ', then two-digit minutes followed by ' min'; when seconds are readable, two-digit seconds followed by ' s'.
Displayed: 4 h 44 min
